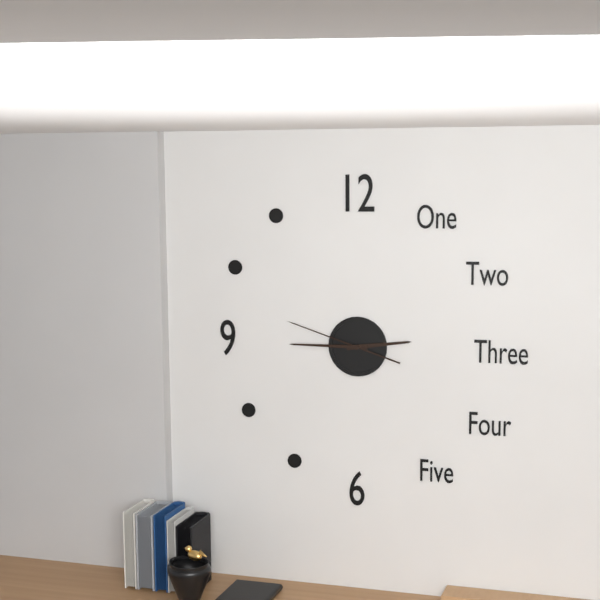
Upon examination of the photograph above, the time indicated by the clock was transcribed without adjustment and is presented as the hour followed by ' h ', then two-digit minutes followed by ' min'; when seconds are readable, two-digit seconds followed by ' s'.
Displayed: 2 h 45 min 48 s
